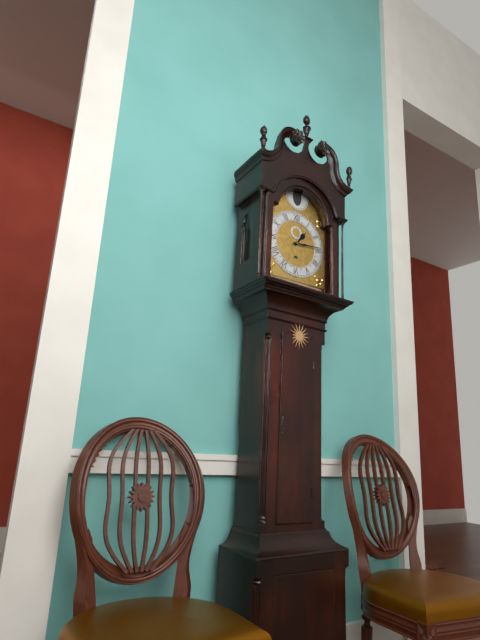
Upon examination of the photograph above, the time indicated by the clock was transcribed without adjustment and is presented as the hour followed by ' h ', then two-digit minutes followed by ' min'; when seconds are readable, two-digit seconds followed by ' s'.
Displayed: 1 h 14 min
